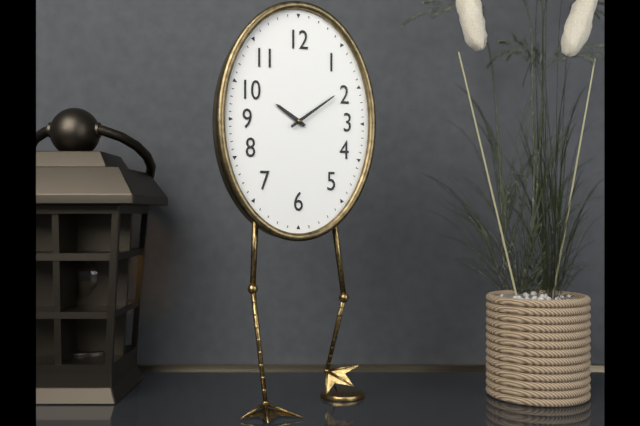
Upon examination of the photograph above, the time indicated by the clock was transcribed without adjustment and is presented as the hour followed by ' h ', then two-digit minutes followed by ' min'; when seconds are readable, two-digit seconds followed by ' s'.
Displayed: 10 h 09 min
